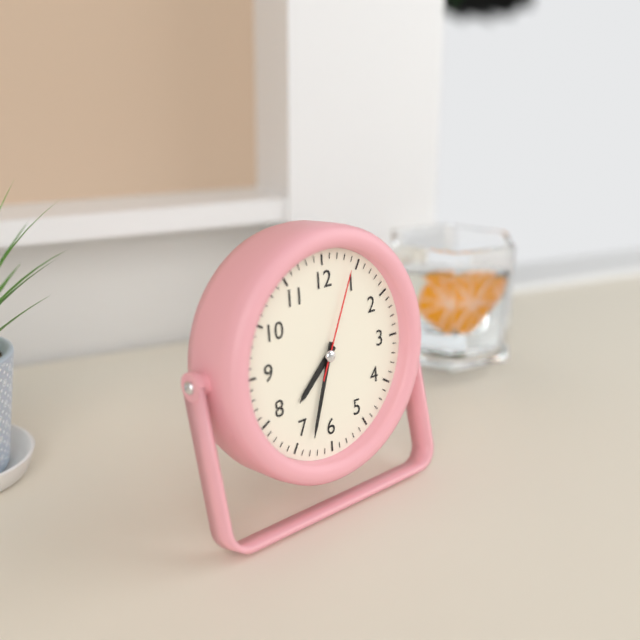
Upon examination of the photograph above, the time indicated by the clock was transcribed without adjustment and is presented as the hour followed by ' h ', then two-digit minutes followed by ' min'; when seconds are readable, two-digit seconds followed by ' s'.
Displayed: 7 h 33 min 04 s
